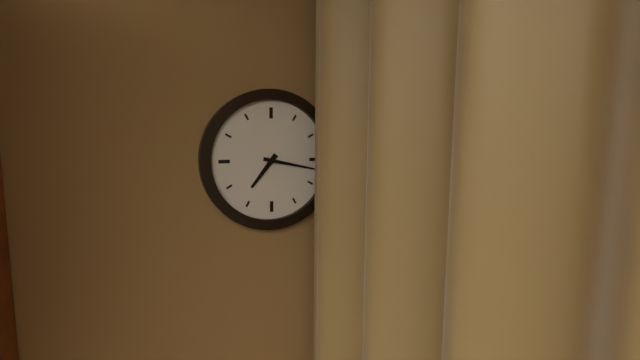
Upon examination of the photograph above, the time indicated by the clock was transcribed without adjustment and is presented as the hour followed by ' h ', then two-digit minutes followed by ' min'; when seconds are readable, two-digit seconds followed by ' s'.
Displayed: 7 h 17 min
